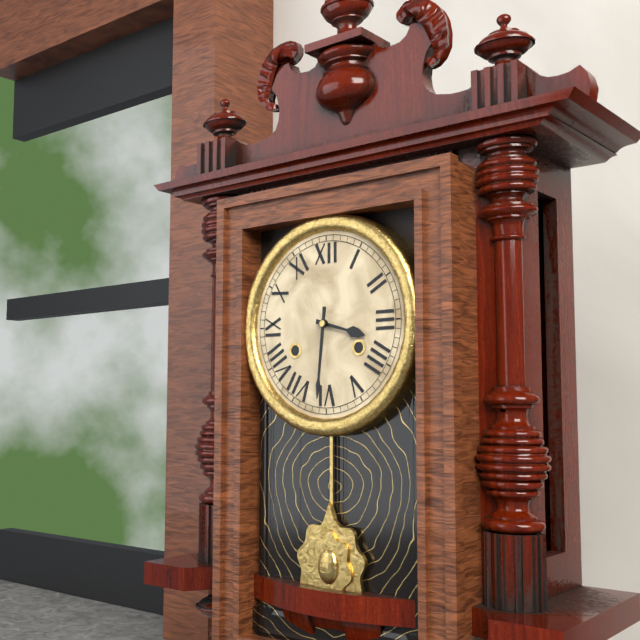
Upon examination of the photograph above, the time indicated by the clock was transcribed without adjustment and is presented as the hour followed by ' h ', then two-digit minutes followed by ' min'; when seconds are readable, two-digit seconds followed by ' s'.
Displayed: 3 h 31 min
